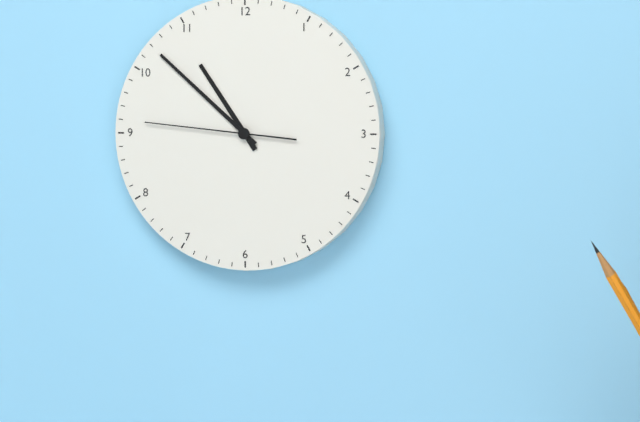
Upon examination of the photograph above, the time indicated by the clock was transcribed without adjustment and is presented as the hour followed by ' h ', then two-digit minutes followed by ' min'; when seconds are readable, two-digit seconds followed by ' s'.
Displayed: 10 h 52 min 46 s
